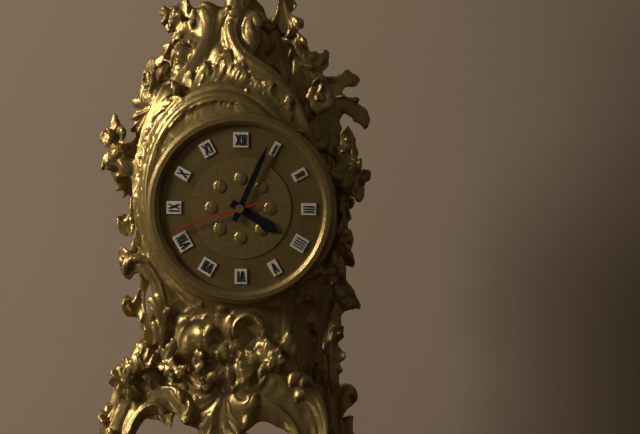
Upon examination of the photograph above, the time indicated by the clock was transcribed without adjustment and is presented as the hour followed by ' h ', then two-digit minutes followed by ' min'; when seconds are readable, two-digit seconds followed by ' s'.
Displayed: 4 h 04 min 42 s
